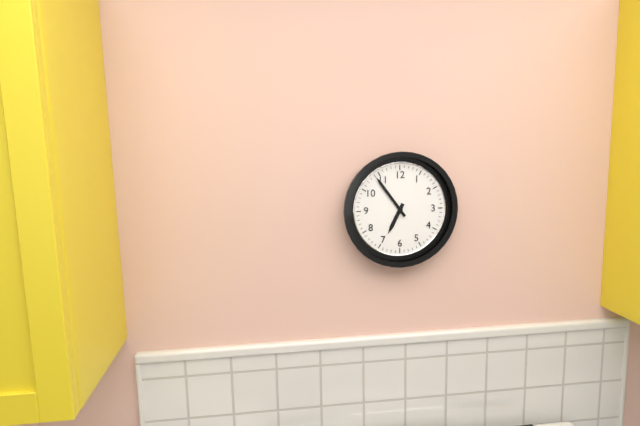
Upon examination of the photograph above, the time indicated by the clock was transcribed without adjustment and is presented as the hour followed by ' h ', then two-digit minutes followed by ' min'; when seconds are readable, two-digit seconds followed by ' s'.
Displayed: 6 h 54 min
